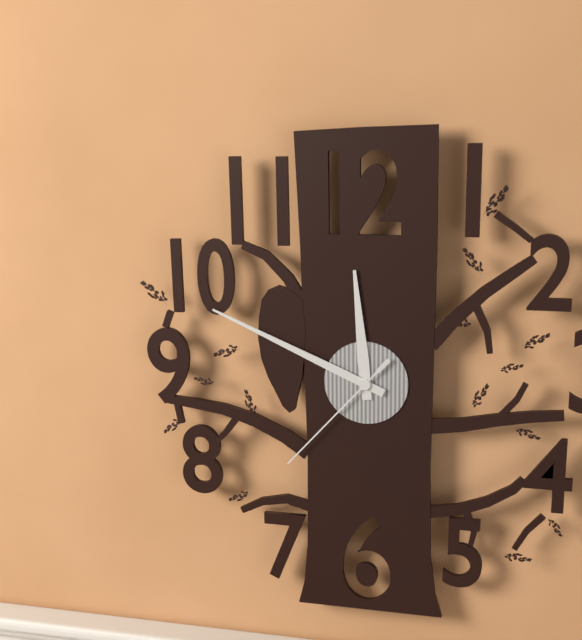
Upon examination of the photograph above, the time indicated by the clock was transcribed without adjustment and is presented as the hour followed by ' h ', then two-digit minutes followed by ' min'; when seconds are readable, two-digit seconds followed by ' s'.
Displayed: 11 h 49 min 37 s
